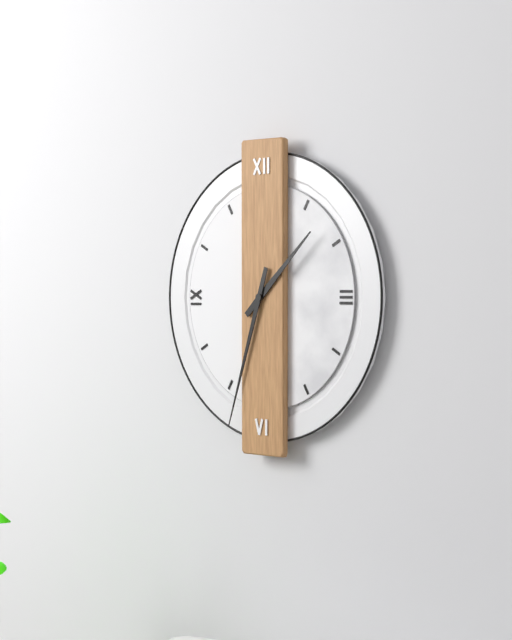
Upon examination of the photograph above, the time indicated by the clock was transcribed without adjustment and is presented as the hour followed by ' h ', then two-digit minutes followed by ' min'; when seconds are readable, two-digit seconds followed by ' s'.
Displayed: 1 h 33 min
